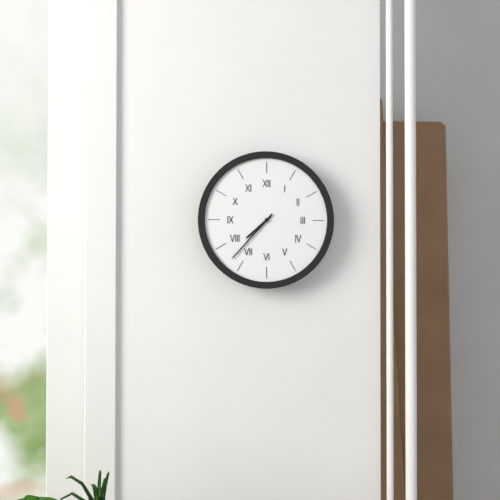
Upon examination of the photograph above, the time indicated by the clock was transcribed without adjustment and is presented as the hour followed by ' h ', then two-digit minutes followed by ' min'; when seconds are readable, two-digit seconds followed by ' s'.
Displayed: 7 h 37 min
